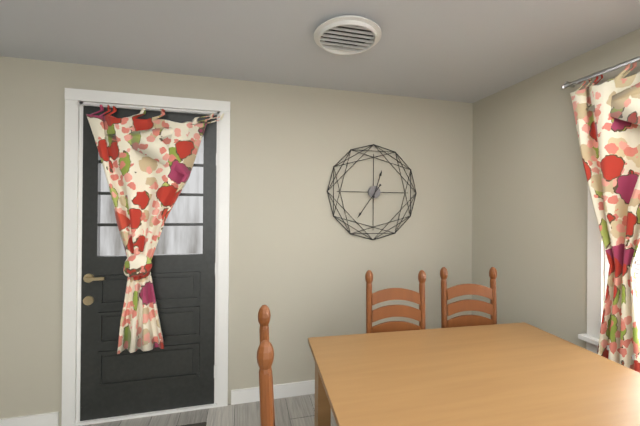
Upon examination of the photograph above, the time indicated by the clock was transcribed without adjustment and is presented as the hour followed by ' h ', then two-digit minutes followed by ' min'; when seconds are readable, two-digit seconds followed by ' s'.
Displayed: 12 h 36 min
